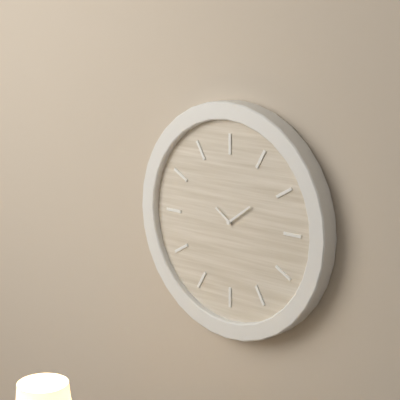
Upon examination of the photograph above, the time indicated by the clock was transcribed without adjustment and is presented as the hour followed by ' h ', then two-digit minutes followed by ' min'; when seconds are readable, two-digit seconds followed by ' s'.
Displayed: 10 h 09 min
